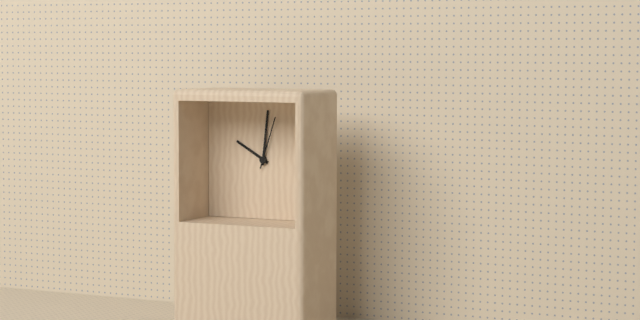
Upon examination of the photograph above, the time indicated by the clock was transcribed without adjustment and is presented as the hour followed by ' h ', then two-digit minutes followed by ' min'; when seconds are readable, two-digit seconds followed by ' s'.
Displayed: 10 h 01 min 03 s
